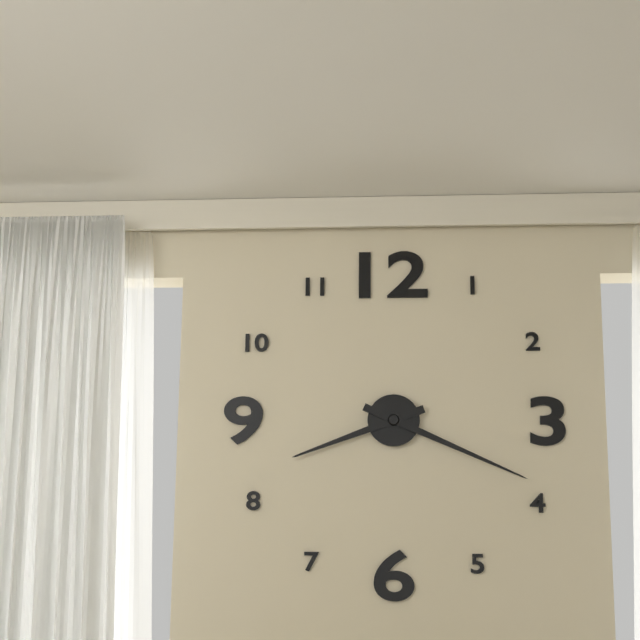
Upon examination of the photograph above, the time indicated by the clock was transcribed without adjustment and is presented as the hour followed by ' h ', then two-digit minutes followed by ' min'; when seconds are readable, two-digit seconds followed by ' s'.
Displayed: 8 h 19 min
